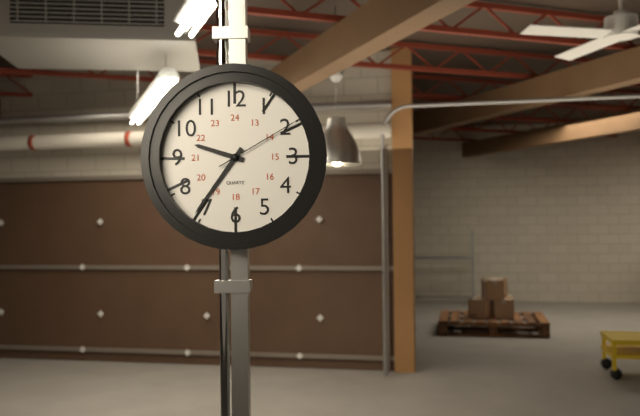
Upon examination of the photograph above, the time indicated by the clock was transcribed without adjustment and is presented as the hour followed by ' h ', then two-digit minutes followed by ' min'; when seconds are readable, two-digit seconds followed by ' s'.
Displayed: 9 h 36 min 10 s
